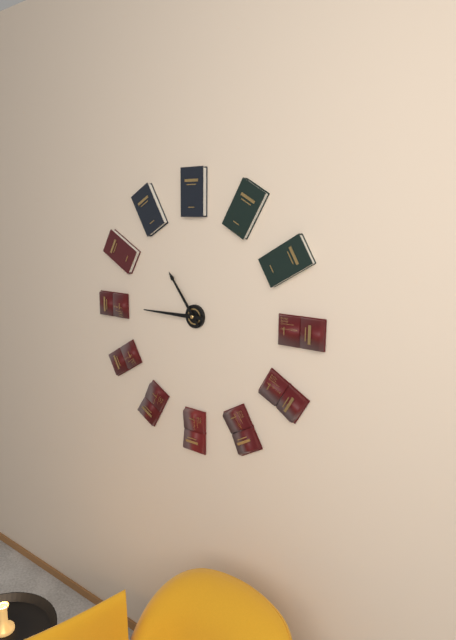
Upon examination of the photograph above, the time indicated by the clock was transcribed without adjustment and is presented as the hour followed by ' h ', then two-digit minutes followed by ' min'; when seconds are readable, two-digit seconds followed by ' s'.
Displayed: 10 h 45 min
